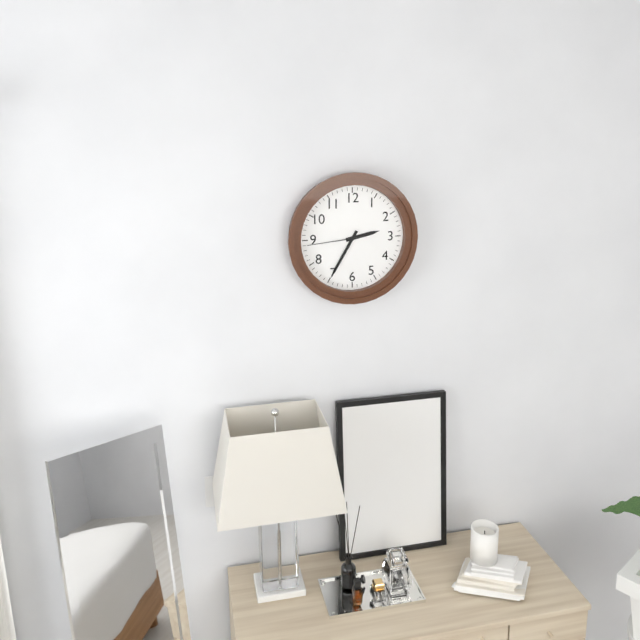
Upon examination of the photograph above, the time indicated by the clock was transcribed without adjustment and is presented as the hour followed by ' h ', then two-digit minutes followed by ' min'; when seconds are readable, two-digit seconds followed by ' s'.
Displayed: 2 h 35 min 44 s
